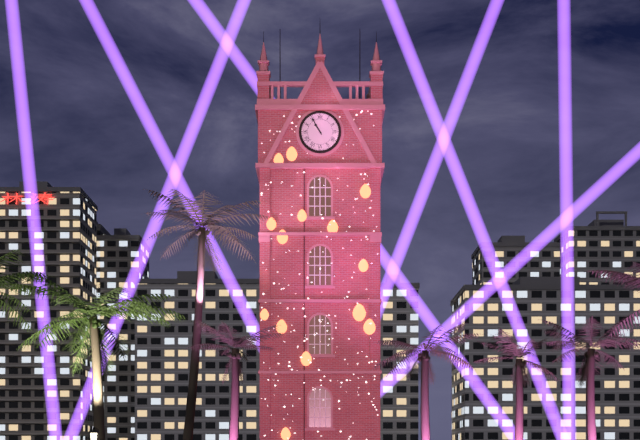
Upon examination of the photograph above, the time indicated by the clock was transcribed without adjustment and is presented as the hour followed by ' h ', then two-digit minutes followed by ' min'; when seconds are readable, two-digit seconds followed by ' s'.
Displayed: 10 h 55 min
